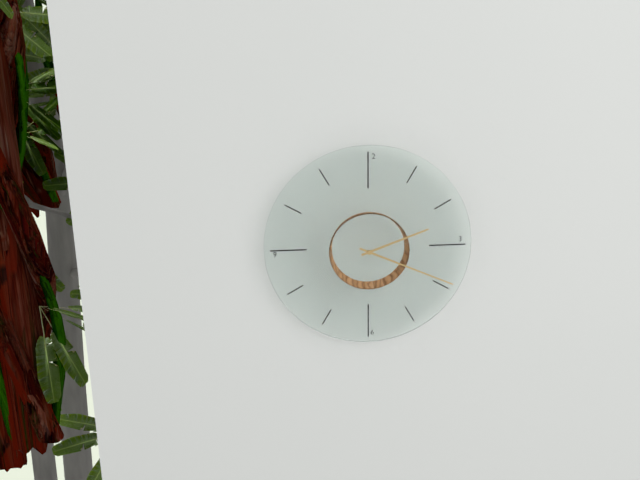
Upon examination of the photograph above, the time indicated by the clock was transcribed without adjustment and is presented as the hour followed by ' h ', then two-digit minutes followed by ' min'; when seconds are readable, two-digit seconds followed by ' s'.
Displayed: 2 h 19 min
